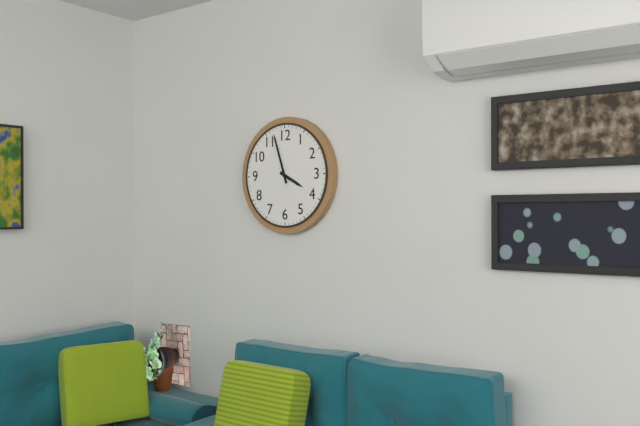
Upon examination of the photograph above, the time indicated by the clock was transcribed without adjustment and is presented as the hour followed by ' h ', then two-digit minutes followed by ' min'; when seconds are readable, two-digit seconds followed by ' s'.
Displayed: 3 h 57 min
